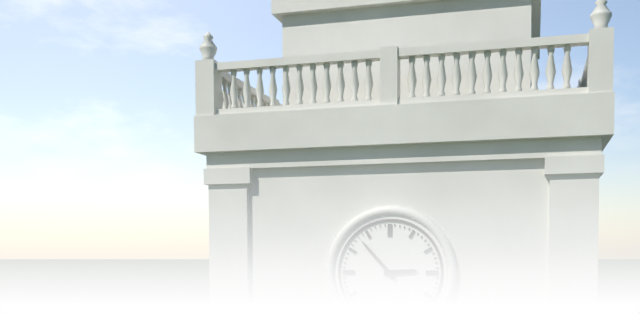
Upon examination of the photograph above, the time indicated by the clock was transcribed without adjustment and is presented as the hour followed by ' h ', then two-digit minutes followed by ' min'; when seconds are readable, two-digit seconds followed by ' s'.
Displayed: 2 h 53 min
